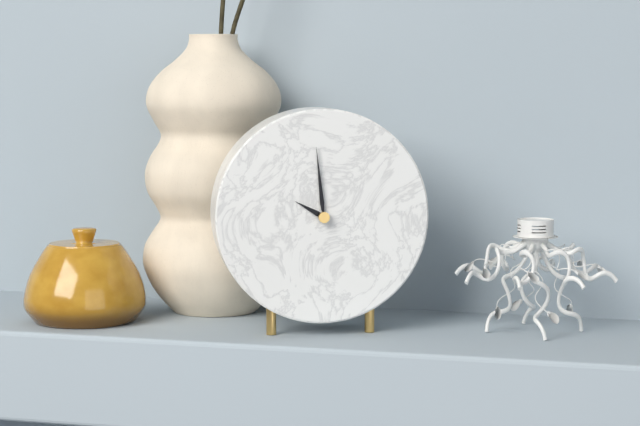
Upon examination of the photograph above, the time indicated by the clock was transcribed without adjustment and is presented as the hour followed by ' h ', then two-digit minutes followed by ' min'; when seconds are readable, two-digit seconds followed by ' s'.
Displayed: 9 h 59 min
